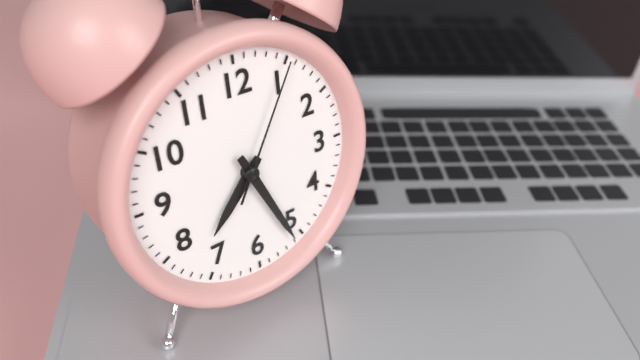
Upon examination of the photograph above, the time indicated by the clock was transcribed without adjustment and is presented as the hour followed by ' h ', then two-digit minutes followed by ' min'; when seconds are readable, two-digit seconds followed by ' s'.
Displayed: 7 h 26 min 05 s
